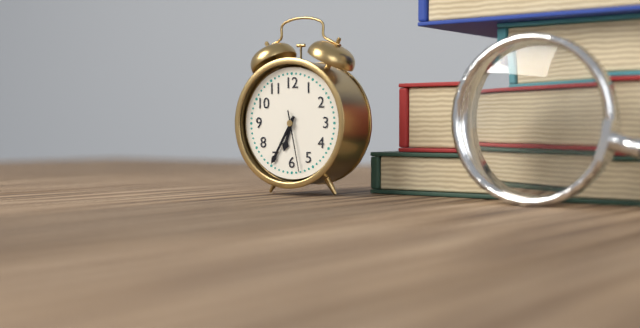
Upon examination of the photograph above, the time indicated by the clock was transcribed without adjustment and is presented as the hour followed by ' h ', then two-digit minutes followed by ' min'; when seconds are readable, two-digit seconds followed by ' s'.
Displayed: 6 h 35 min 28 s
